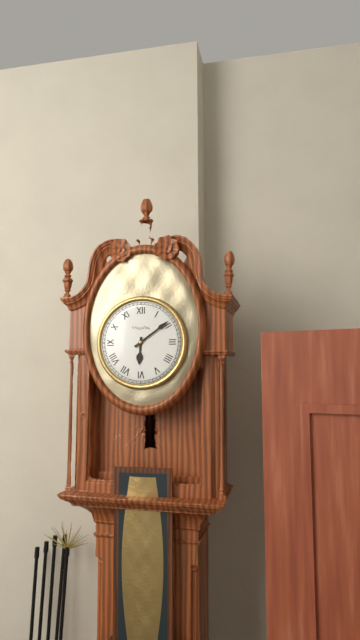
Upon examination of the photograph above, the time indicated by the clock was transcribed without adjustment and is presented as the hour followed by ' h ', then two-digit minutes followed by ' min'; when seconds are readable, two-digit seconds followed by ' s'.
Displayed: 6 h 09 min
